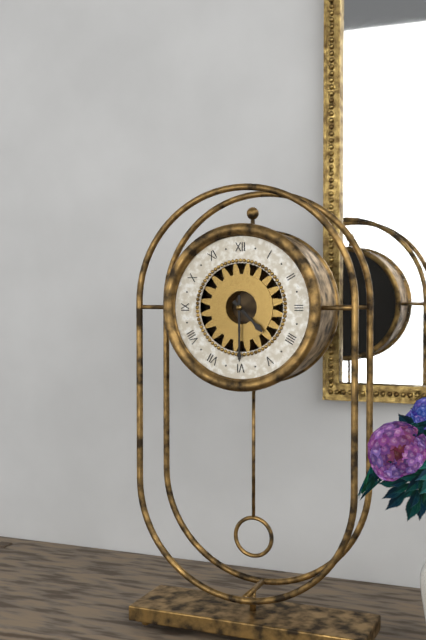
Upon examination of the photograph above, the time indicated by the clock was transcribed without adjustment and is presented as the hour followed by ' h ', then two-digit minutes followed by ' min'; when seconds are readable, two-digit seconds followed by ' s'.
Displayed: 4 h 30 min
